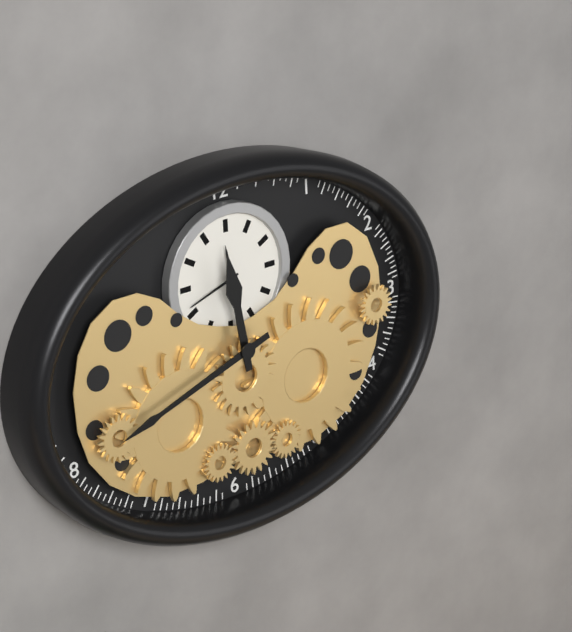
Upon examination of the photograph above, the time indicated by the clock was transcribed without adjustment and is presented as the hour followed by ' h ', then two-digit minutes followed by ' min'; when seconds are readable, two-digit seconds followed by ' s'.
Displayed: 11 h 42 min
